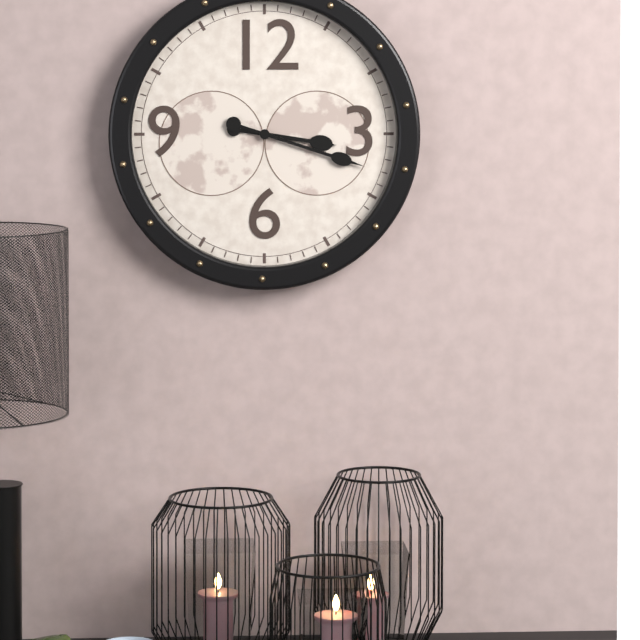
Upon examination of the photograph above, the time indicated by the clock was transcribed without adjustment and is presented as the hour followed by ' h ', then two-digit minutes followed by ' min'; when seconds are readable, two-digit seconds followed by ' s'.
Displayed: 3 h 18 min
